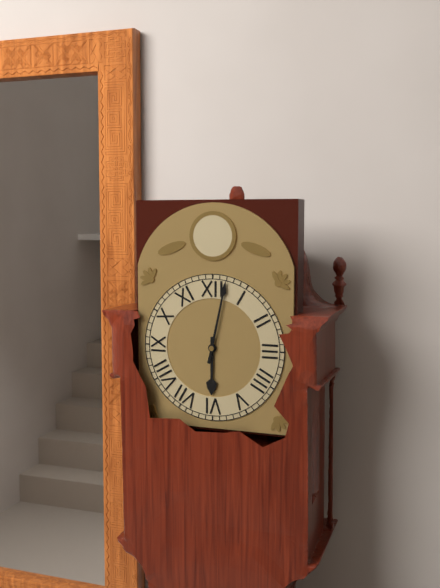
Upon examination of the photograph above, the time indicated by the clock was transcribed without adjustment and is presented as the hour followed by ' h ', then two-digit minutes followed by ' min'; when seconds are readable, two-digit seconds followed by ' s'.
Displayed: 6 h 02 min
